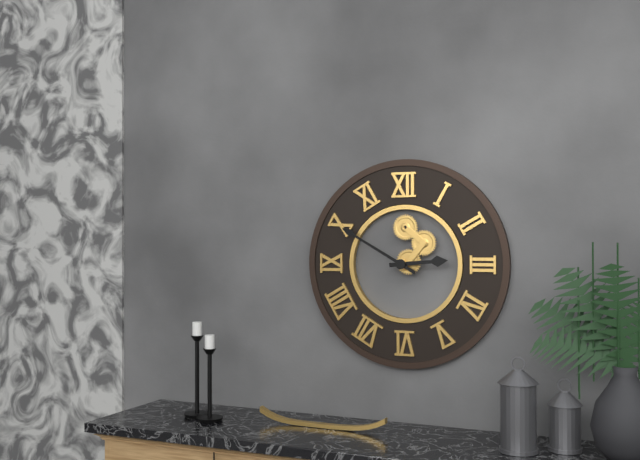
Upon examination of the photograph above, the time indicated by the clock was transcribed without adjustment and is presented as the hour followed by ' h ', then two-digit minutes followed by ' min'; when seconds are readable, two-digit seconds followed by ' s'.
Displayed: 2 h 50 min
